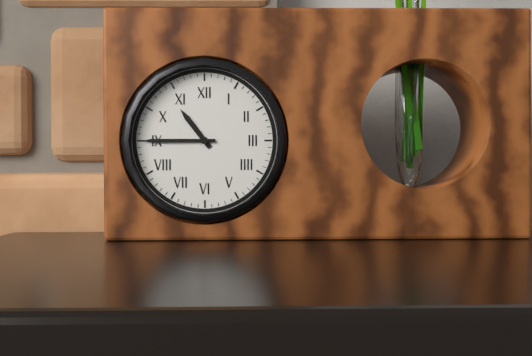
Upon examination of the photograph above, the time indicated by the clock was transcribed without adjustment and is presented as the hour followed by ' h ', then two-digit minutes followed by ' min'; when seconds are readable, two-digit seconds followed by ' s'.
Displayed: 10 h 45 min
